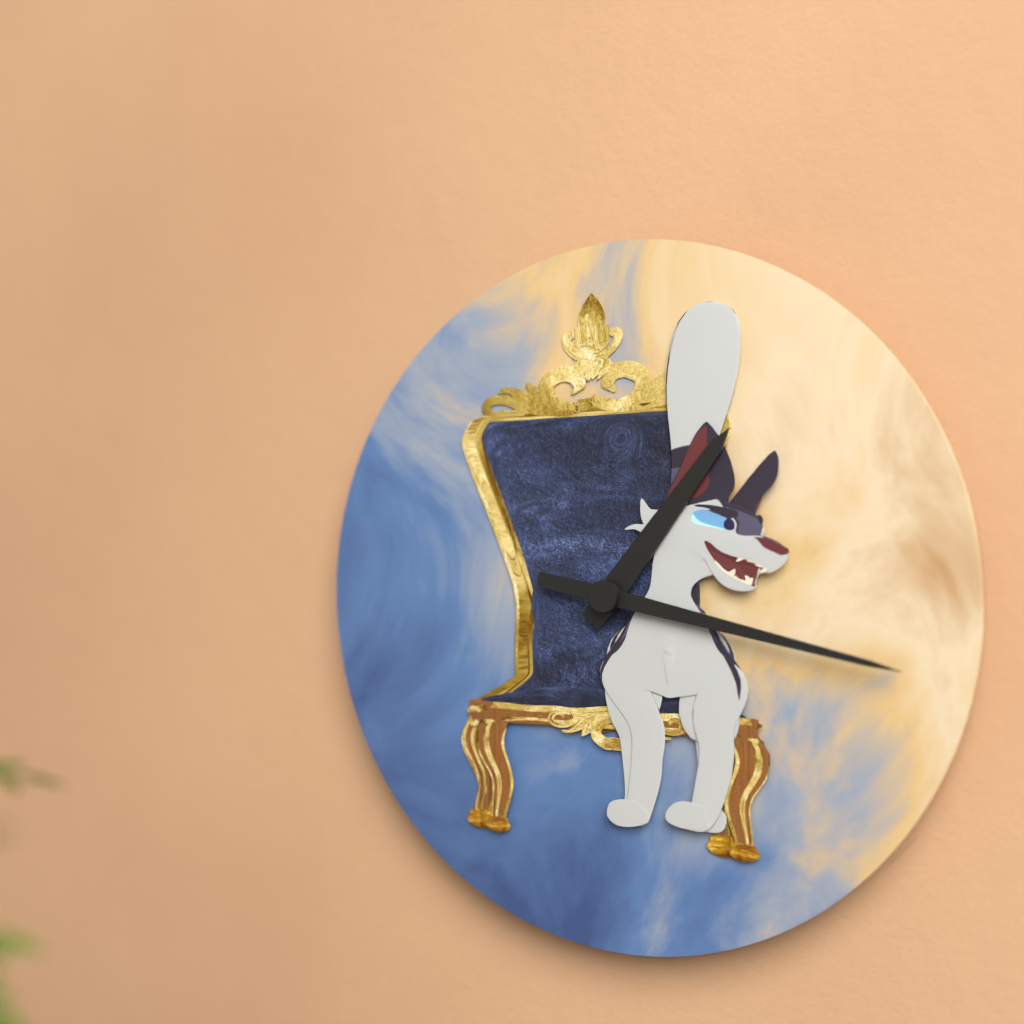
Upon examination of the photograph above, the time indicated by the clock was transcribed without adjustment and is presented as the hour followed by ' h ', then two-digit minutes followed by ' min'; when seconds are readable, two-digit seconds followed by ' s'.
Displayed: 1 h 17 min
